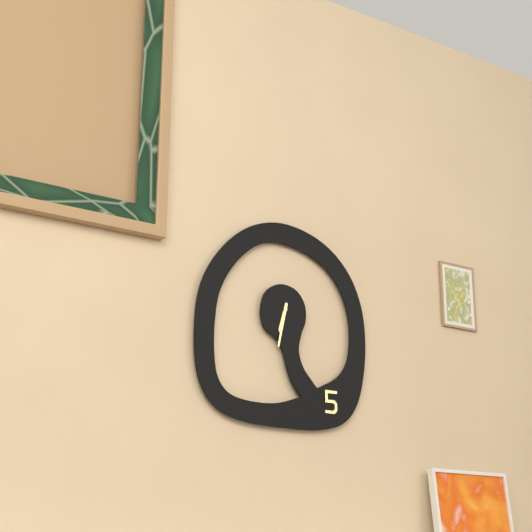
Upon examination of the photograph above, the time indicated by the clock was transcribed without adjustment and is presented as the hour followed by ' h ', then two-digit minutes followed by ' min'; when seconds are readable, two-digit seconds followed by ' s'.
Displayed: 6 h 32 min
